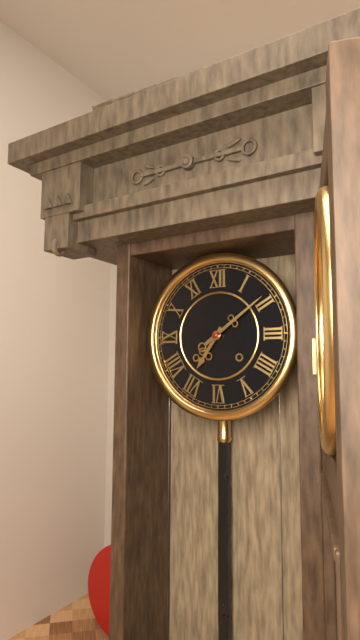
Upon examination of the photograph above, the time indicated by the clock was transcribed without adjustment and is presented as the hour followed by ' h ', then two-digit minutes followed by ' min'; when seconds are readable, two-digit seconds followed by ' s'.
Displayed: 7 h 09 min
